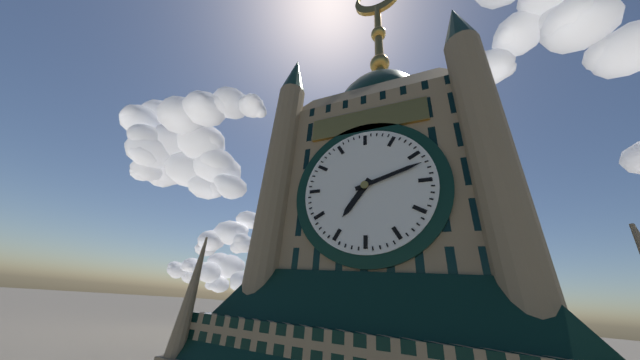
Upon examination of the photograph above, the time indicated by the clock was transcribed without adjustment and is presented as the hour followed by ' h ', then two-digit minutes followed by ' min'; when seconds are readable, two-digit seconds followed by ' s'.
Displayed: 7 h 12 min
